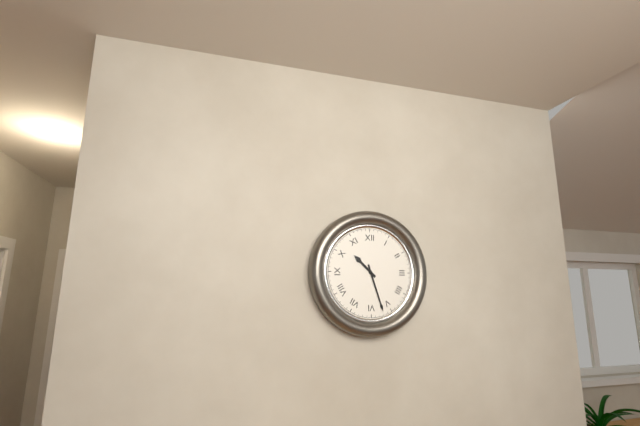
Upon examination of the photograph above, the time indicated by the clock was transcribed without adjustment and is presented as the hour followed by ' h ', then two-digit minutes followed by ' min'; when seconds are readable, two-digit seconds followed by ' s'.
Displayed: 10 h 27 min
